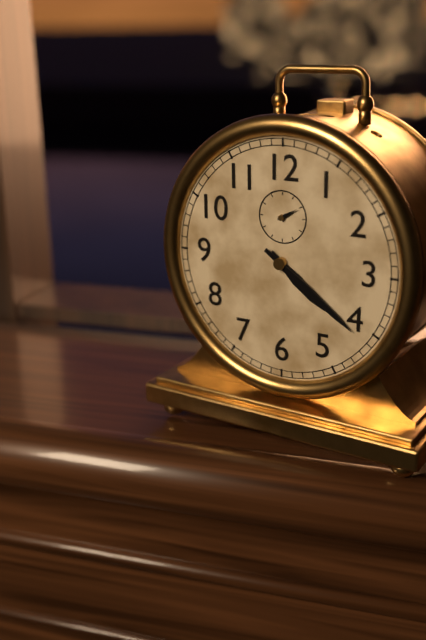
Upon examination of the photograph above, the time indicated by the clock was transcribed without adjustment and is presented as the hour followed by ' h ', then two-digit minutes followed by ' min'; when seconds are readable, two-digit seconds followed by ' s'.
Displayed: 4 h 21 min
